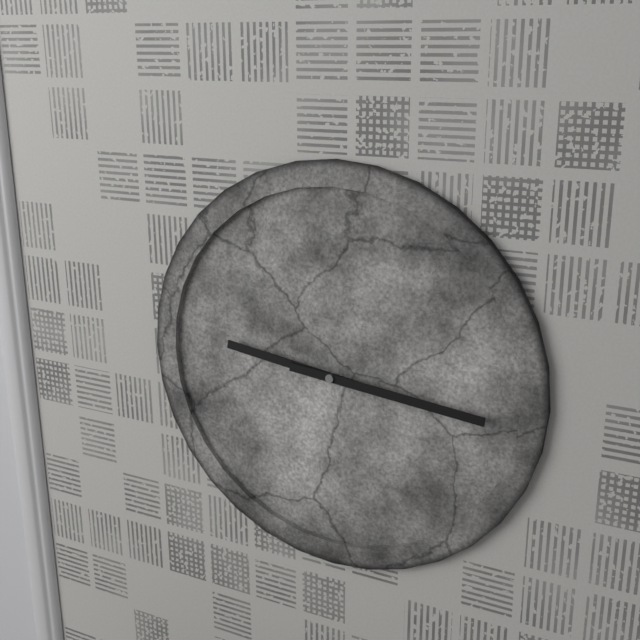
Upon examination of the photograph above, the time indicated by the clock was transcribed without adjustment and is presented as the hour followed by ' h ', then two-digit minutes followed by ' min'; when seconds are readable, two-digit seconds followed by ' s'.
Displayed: 9 h 16 min
